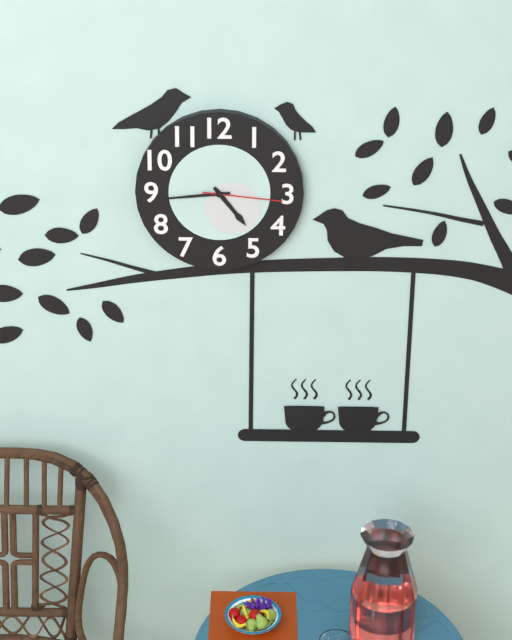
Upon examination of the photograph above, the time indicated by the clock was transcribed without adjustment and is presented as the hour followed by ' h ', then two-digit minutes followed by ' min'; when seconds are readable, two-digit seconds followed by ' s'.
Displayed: 4 h 44 min 16 s
